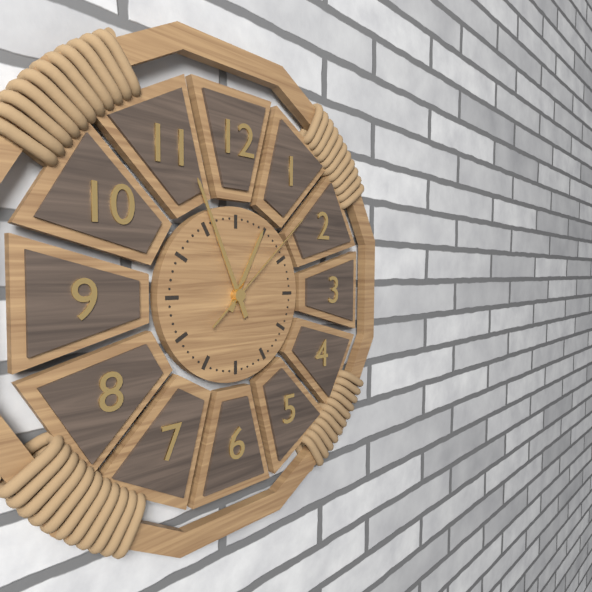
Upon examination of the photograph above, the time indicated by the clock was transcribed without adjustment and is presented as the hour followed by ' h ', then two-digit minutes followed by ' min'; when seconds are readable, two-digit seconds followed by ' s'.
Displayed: 12 h 56 min 08 s
